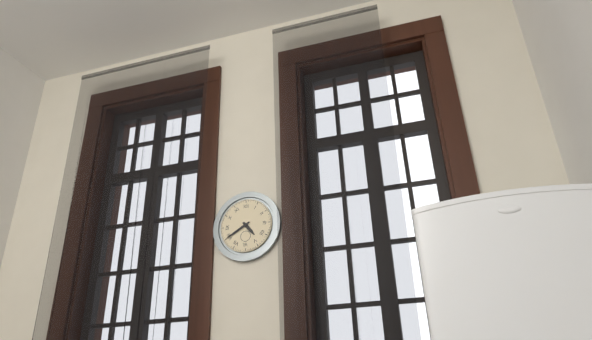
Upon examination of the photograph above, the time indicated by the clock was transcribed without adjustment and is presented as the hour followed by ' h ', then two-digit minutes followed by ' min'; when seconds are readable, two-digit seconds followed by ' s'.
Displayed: 4 h 40 min
